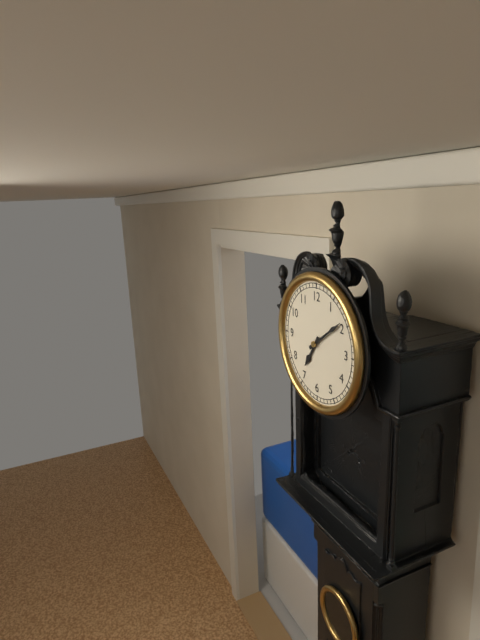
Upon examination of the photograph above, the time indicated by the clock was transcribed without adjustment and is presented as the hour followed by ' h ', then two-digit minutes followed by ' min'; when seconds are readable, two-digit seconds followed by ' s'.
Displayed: 7 h 09 min
